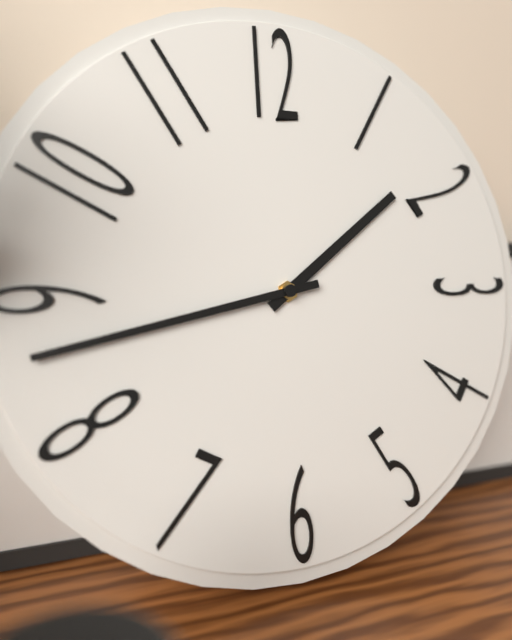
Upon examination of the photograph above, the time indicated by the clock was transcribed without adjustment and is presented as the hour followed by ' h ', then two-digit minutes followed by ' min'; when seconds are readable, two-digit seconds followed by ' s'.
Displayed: 1 h 43 min
